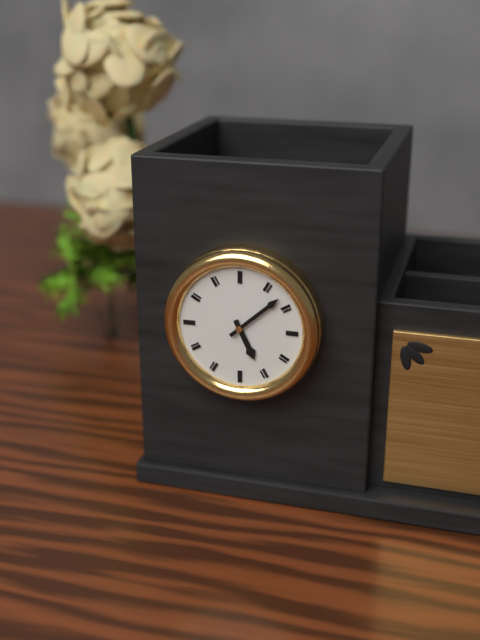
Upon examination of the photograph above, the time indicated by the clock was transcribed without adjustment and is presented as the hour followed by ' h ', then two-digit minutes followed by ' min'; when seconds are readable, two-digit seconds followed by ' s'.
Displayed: 5 h 08 min
